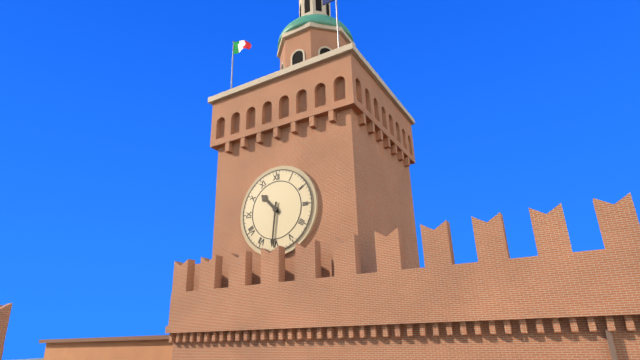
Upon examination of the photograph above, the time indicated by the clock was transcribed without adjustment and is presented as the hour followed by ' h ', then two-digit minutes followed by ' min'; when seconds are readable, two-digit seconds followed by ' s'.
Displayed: 10 h 31 min
